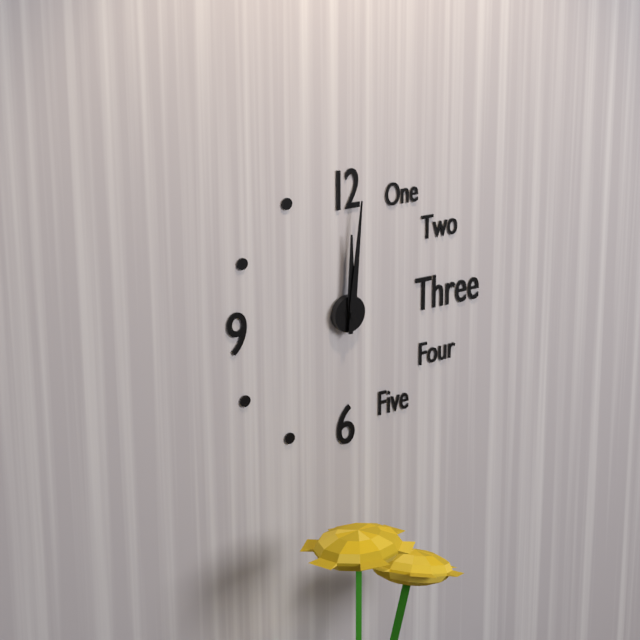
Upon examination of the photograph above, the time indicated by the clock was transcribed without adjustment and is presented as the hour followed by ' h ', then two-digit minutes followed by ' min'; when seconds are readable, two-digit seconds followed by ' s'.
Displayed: 12 h 01 min
